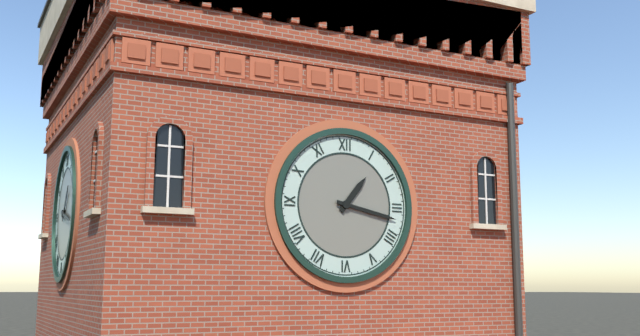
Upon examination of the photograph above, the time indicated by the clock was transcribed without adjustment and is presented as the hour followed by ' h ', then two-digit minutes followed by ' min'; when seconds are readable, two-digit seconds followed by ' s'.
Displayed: 1 h 17 min
